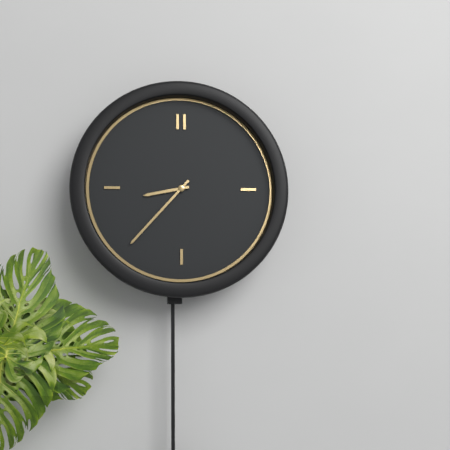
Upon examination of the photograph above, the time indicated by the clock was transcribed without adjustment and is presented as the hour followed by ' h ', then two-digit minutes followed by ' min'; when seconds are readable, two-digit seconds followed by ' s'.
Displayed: 8 h 37 min
